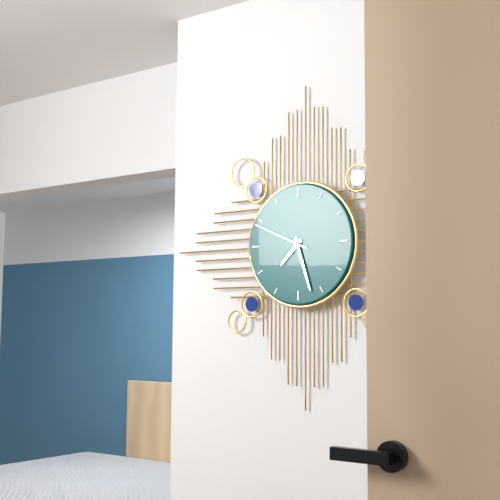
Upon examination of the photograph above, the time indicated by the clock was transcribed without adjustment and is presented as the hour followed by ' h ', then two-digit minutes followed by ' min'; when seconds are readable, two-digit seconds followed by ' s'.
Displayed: 7 h 27 min 49 s
